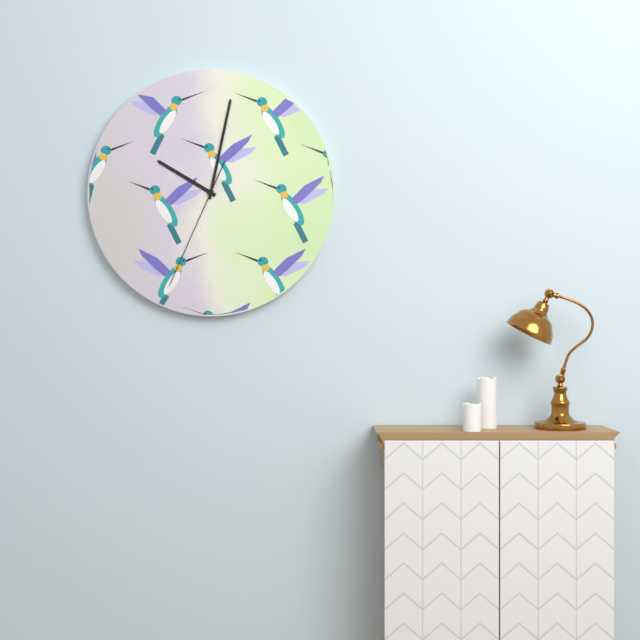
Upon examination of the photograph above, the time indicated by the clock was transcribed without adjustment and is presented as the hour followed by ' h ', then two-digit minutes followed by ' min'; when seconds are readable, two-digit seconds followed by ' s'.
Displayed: 10 h 02 min 34 s
